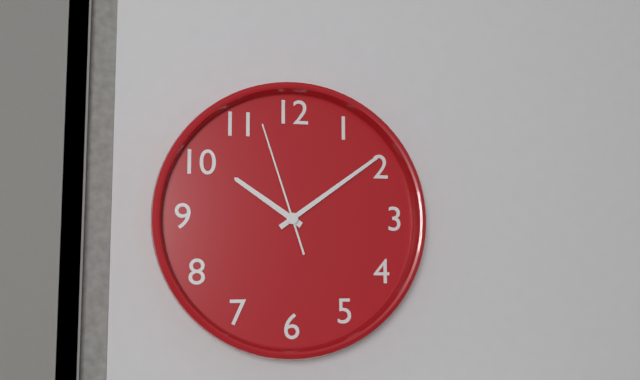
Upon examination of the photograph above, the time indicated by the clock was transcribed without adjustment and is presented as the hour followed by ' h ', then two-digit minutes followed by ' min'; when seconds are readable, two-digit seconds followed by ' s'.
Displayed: 10 h 09 min 57 s
